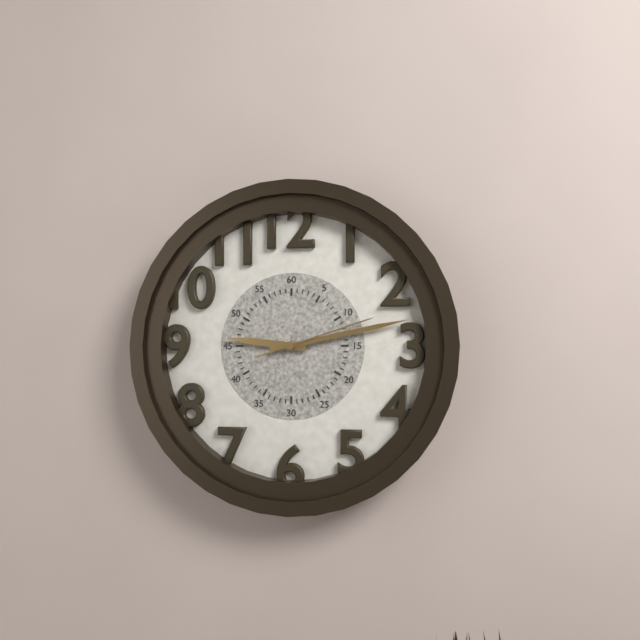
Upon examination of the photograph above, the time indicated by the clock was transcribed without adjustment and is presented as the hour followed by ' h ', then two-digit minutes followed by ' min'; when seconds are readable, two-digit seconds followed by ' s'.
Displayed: 9 h 13 min 12 s
